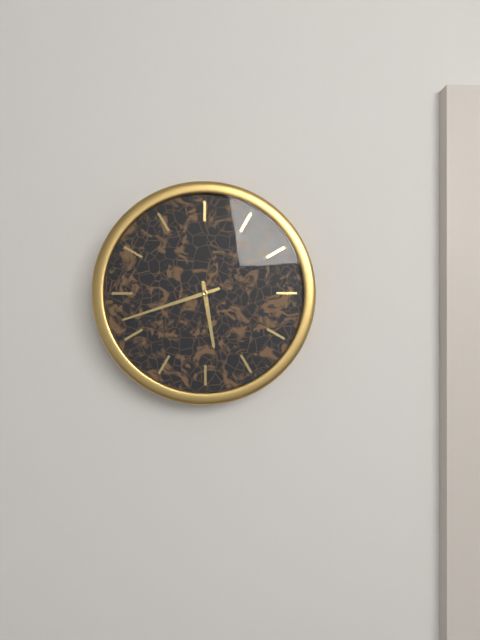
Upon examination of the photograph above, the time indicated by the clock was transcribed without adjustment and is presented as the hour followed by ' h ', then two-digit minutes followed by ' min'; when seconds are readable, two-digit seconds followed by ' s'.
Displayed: 5 h 42 min
